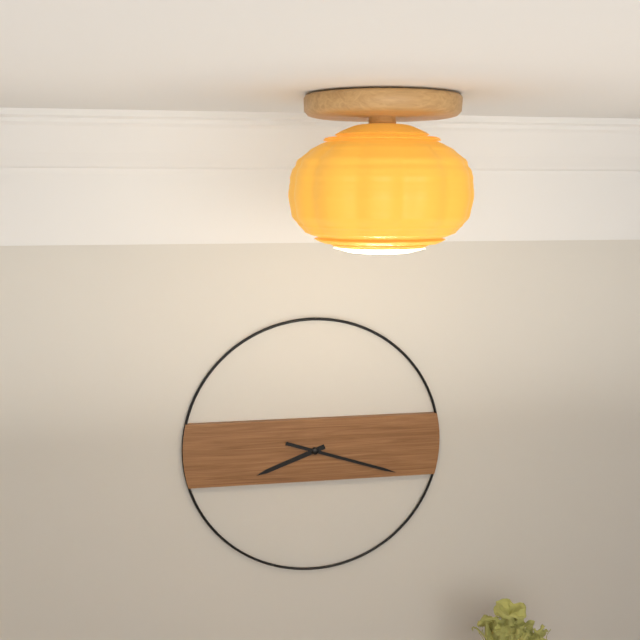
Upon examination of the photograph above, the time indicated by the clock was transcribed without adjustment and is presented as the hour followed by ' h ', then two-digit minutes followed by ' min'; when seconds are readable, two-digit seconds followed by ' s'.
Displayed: 8 h 18 min
